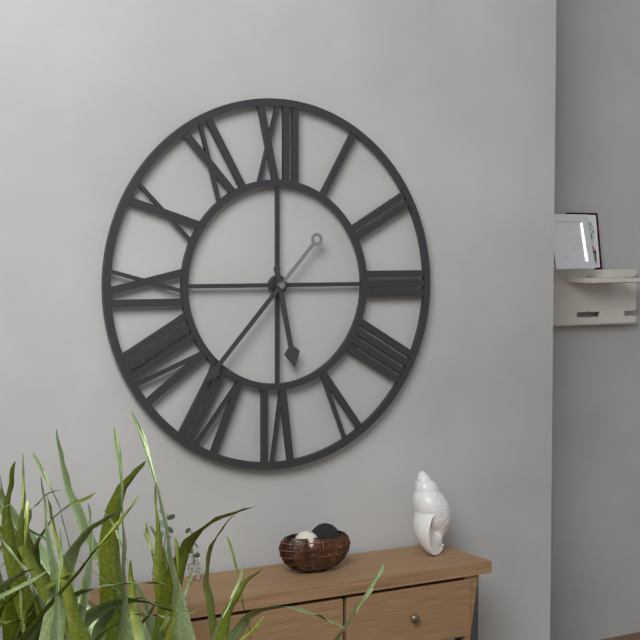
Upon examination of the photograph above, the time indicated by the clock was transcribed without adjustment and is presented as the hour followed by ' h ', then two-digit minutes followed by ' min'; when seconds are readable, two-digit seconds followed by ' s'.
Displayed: 5 h 37 min
